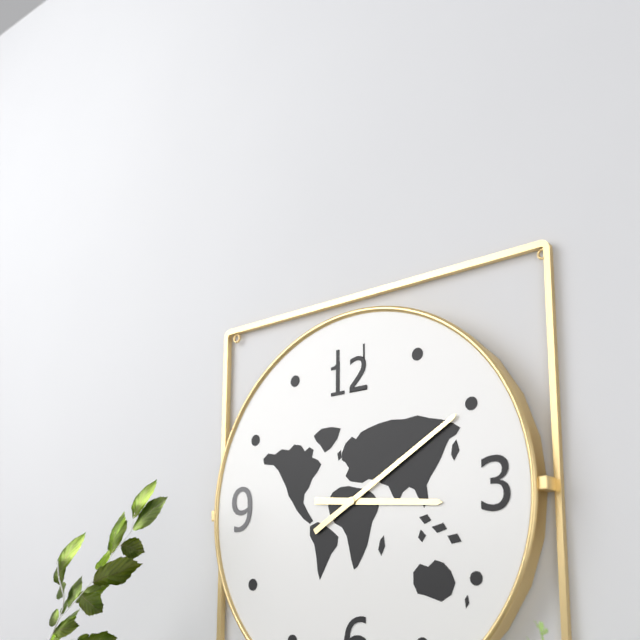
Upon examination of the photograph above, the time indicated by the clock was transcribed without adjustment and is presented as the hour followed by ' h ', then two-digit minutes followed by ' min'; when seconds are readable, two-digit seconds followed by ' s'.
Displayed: 3 h 10 min
